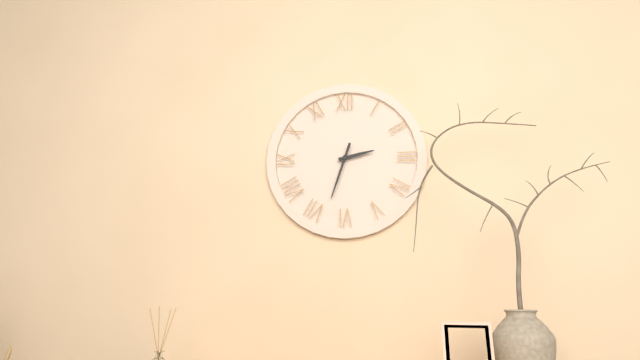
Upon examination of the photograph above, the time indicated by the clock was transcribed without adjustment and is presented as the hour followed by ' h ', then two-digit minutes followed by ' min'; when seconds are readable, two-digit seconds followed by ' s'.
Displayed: 2 h 33 min
